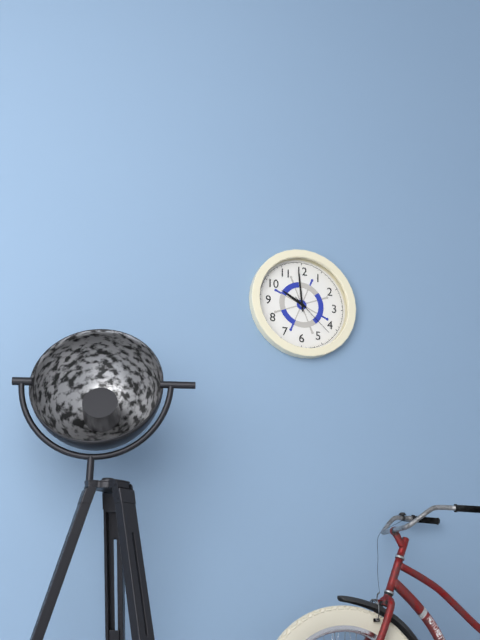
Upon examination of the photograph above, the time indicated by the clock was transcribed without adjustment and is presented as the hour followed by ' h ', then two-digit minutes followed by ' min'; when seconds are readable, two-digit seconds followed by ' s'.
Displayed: 9 h 59 min
